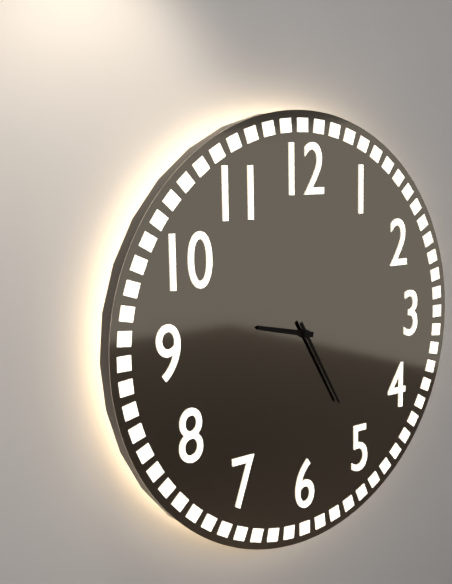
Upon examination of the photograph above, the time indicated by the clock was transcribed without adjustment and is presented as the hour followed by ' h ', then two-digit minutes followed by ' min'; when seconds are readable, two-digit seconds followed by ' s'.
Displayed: 9 h 25 min
